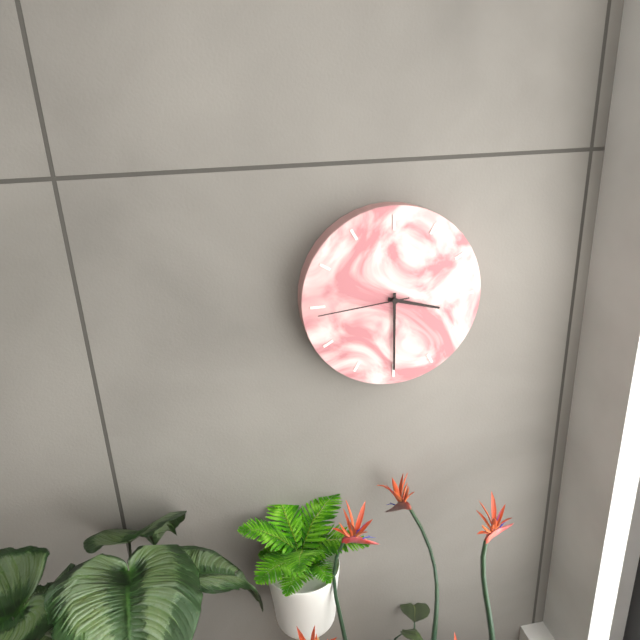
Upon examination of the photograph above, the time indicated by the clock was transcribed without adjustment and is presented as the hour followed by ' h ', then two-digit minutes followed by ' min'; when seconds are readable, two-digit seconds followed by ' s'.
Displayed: 3 h 30 min 44 s
